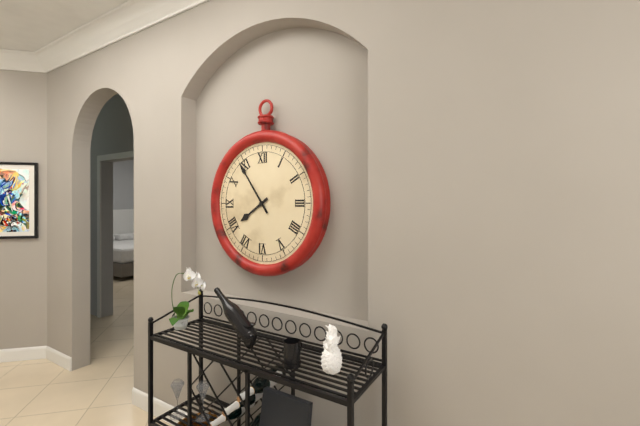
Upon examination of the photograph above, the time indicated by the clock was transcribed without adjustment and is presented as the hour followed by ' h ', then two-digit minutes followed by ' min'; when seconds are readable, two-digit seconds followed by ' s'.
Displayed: 7 h 54 min
